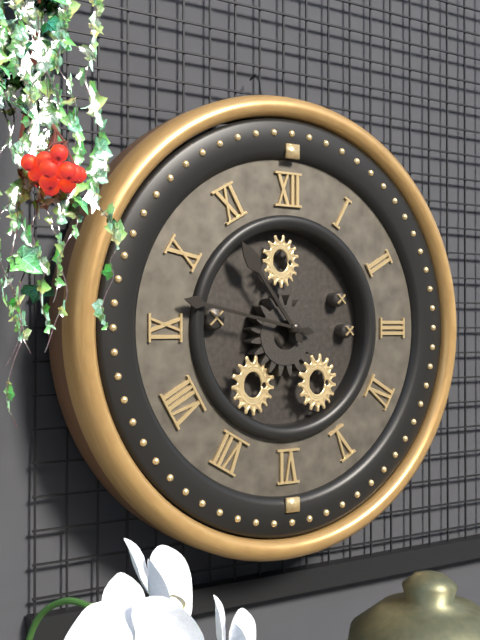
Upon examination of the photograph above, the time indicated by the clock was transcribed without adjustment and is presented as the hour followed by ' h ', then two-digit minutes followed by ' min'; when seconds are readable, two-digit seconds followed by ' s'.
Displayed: 10 h 47 min
